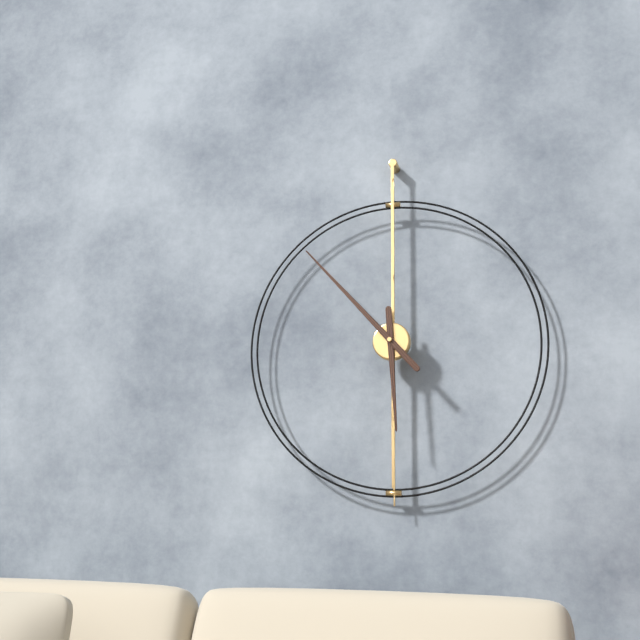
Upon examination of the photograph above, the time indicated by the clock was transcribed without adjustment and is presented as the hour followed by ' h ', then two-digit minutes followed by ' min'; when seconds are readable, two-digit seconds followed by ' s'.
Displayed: 5 h 53 min
